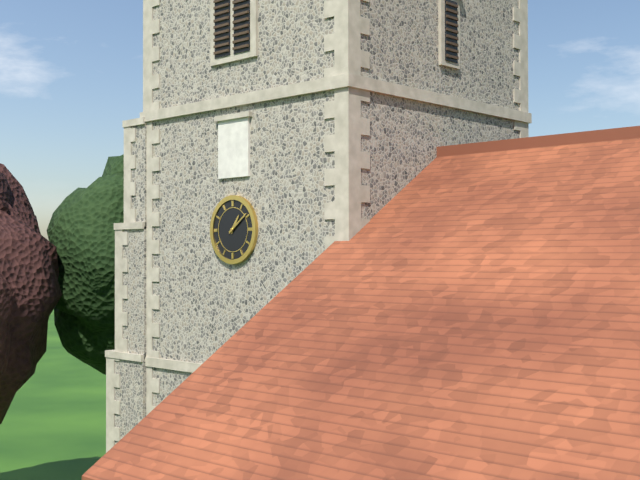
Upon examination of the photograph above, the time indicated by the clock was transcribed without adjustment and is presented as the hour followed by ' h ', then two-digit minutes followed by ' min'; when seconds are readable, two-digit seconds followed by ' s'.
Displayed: 1 h 09 min
